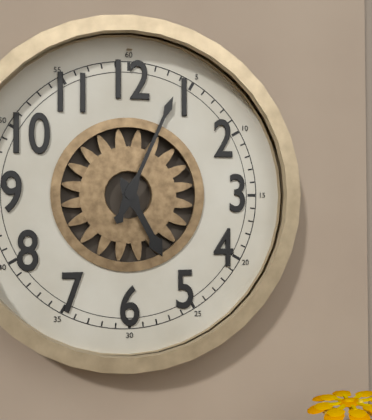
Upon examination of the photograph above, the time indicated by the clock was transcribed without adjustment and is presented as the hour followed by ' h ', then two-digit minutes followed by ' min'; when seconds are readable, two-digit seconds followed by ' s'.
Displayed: 5 h 04 min
